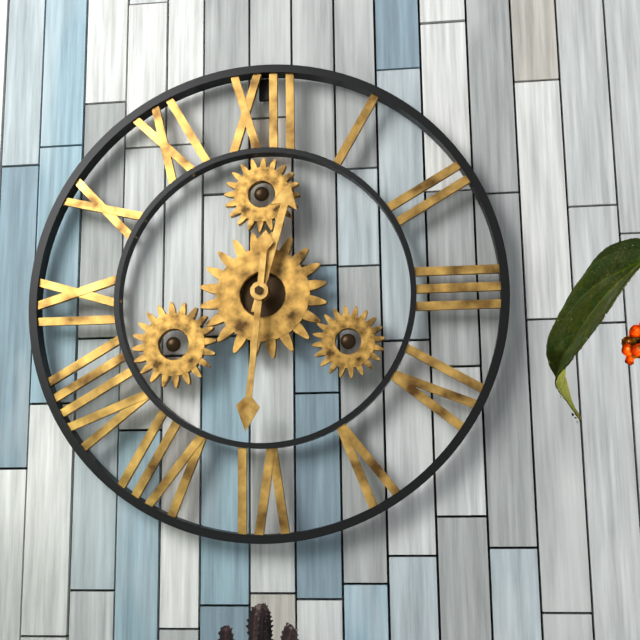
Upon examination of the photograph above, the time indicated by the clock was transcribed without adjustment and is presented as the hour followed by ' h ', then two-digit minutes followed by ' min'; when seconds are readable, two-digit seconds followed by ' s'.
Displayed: 12 h 31 min
